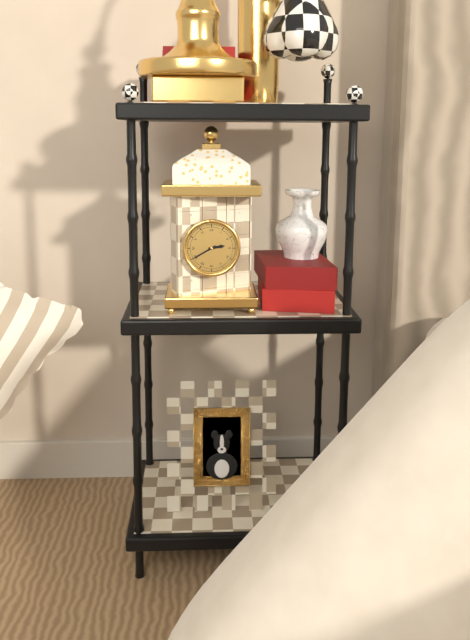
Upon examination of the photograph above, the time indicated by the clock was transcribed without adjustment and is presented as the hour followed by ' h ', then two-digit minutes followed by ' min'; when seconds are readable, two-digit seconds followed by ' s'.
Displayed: 2 h 40 min
